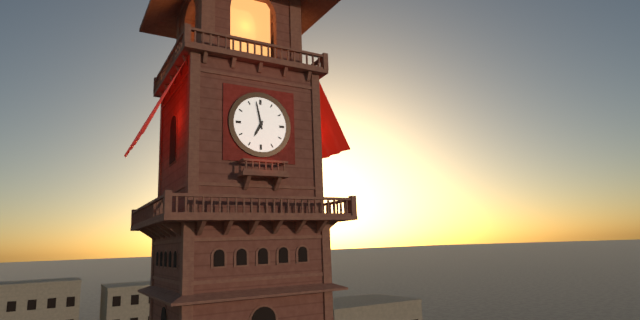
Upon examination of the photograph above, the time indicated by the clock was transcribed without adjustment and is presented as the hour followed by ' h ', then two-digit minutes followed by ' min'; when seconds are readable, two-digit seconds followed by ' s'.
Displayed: 6 h 58 min
